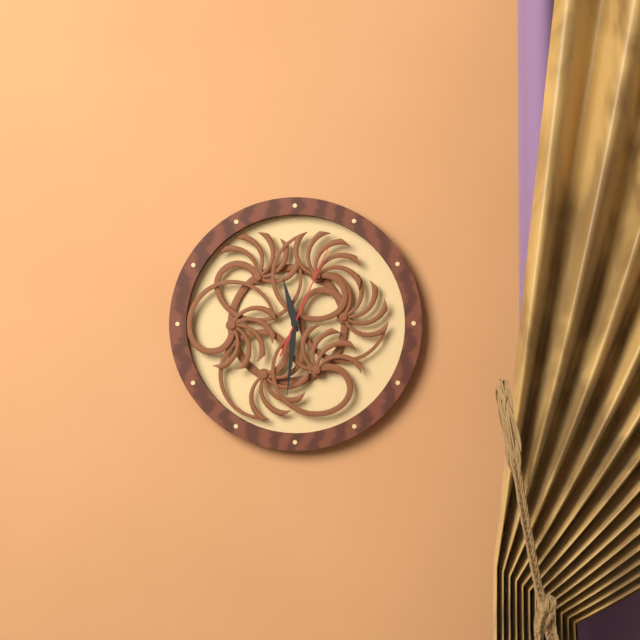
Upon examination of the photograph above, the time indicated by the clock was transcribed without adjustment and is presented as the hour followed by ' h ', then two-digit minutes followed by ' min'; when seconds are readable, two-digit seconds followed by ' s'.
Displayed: 11 h 31 min 04 s
